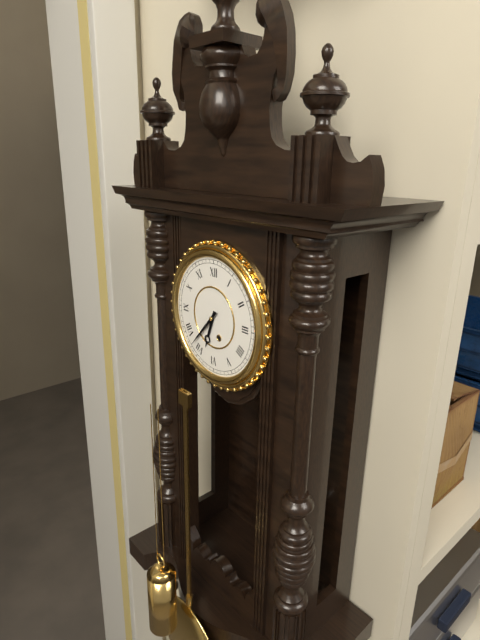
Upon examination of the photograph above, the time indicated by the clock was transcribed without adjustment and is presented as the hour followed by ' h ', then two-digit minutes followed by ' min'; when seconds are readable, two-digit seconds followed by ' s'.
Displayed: 6 h 37 min
